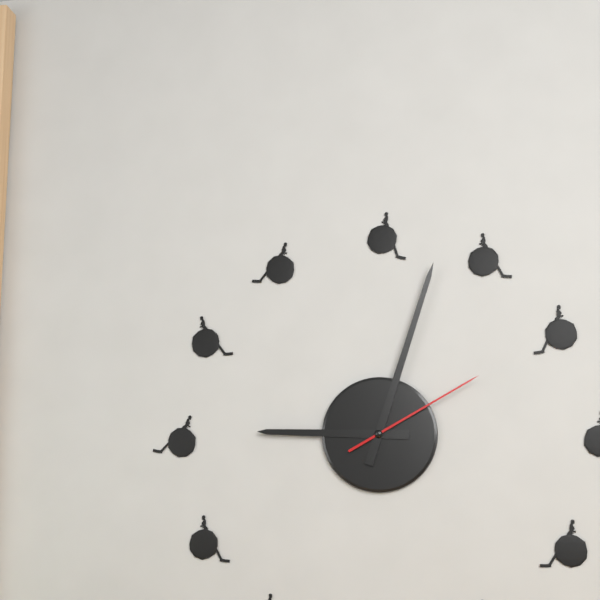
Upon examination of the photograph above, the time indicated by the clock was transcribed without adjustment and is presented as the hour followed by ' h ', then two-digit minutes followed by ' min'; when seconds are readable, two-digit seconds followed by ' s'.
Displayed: 9 h 03 min 10 s
